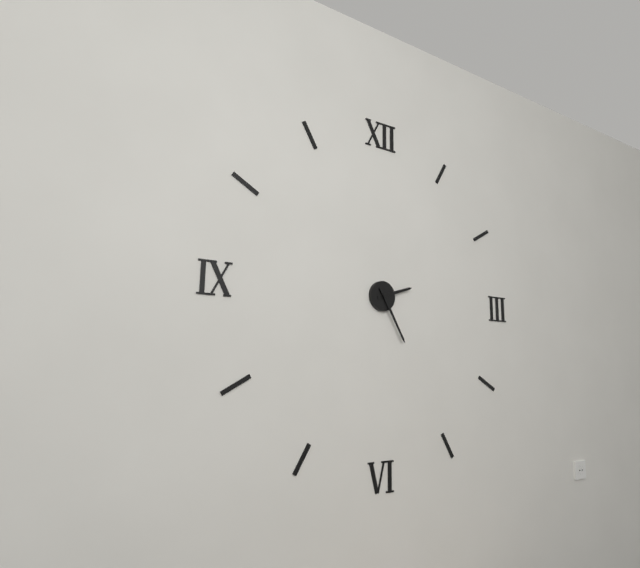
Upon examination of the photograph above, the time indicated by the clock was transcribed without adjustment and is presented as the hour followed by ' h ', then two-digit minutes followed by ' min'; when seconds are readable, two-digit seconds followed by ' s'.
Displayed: 2 h 25 min
